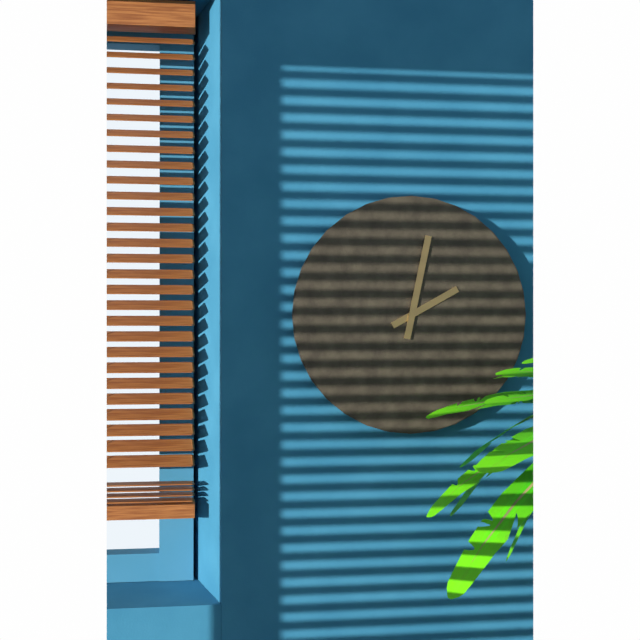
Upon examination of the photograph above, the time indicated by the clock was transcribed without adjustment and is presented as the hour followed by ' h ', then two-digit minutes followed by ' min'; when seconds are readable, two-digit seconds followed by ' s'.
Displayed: 2 h 02 min
